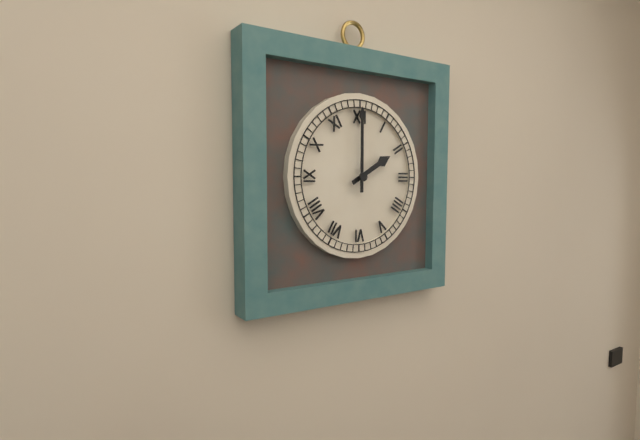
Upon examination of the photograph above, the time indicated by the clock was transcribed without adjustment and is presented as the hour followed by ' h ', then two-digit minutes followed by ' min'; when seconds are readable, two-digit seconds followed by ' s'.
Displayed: 2 h 00 min
